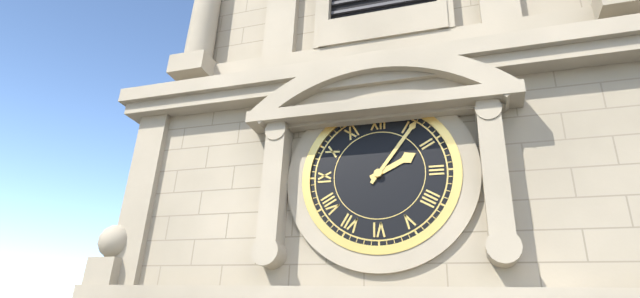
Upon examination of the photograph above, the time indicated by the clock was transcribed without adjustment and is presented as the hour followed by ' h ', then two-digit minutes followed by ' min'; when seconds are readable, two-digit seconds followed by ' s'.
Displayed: 2 h 06 min
